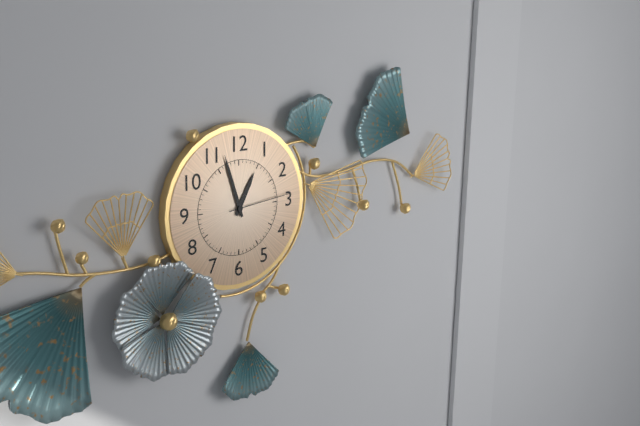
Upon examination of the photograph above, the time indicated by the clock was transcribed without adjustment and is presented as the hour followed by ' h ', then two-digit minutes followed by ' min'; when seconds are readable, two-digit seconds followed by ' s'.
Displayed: 12 h 57 min 14 s
